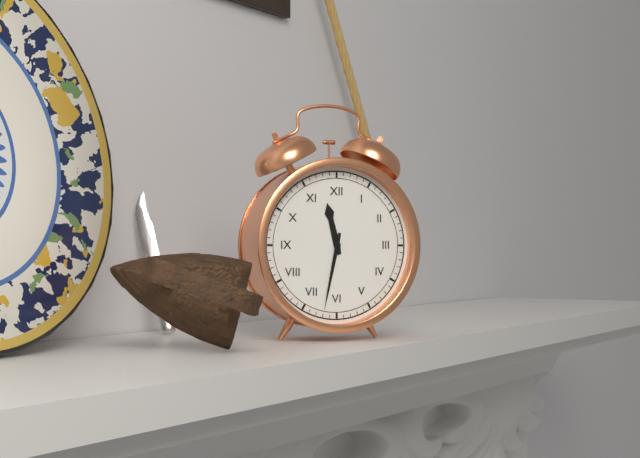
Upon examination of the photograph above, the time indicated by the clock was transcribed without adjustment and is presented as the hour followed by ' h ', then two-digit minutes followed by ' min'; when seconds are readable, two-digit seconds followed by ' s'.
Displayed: 11 h 32 min
